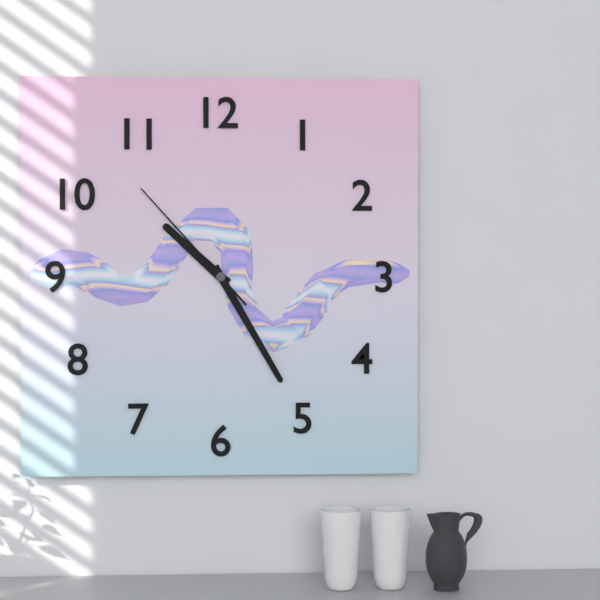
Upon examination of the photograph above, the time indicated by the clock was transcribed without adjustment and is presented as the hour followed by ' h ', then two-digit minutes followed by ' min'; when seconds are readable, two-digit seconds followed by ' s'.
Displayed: 10 h 25 min 53 s
